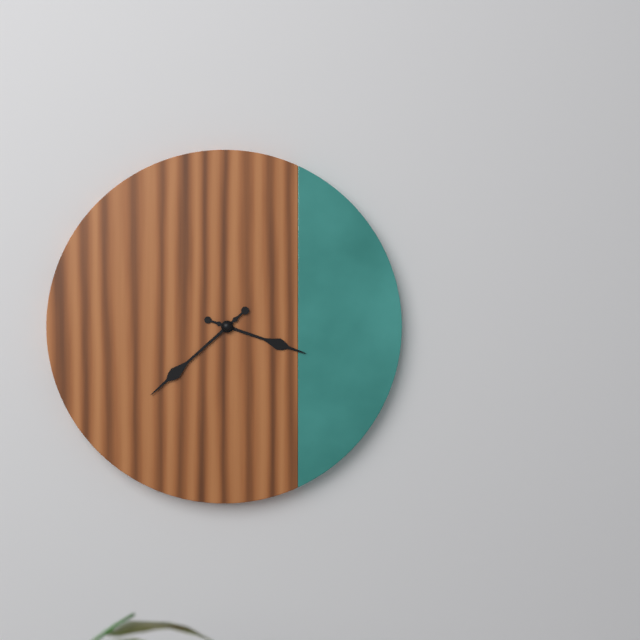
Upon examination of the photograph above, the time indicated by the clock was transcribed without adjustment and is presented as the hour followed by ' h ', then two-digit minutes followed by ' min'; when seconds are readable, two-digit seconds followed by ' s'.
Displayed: 3 h 38 min
